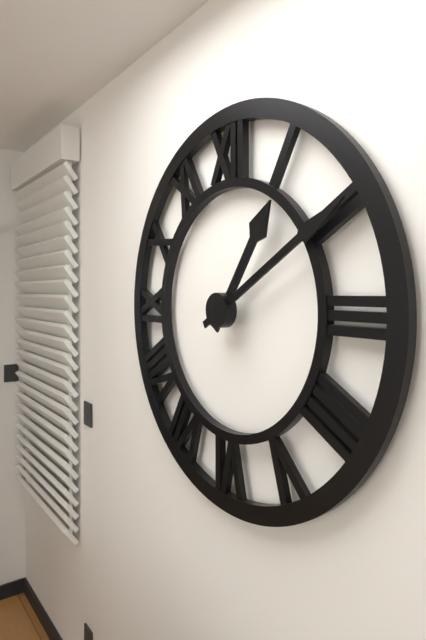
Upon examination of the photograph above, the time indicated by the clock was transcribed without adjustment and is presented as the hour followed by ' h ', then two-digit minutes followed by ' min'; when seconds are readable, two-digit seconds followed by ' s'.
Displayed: 1 h 10 min
